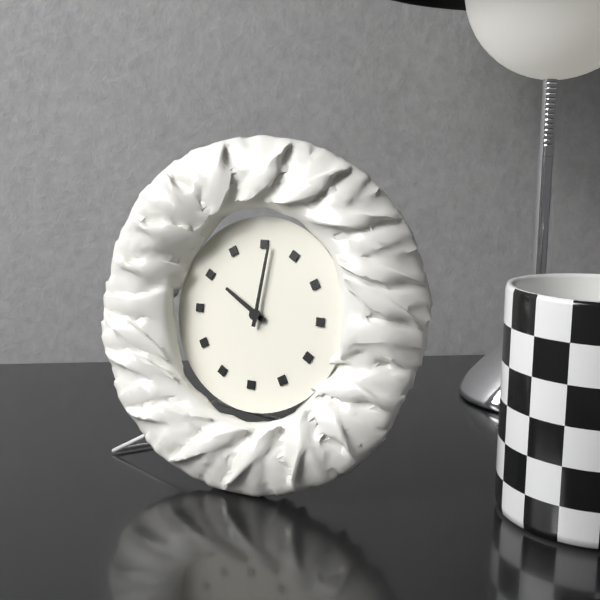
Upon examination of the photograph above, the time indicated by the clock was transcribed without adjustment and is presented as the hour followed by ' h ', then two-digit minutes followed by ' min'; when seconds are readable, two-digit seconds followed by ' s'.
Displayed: 10 h 01 min
